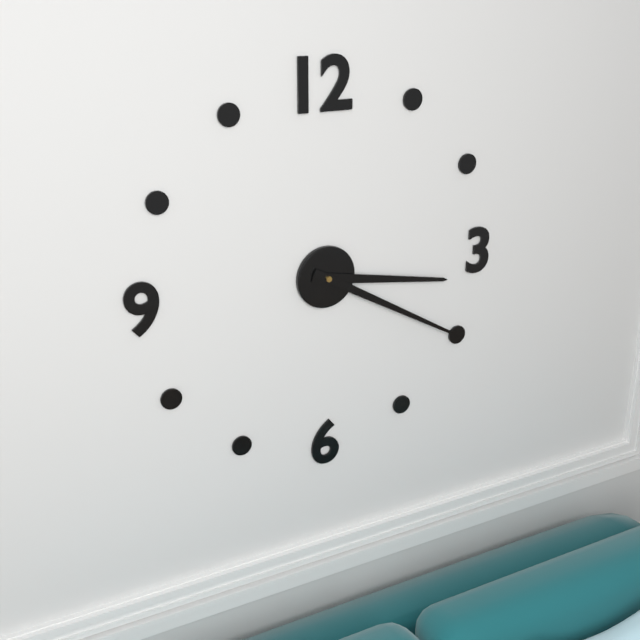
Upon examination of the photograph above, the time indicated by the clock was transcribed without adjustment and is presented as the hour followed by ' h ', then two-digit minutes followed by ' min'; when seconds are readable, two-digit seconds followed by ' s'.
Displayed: 3 h 20 min
